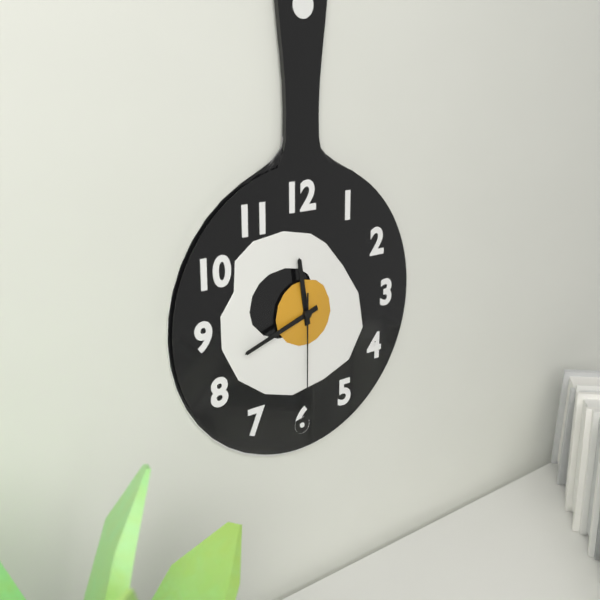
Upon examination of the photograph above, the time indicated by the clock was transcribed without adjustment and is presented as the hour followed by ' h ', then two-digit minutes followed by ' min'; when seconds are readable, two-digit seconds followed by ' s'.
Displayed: 11 h 42 min 30 s
